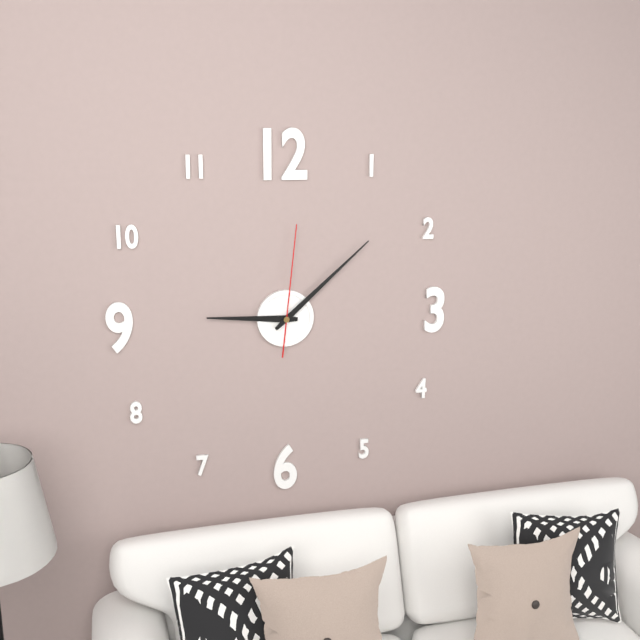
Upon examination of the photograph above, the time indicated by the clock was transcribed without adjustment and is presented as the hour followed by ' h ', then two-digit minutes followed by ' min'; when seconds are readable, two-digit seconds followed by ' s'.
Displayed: 9 h 08 min 01 s
